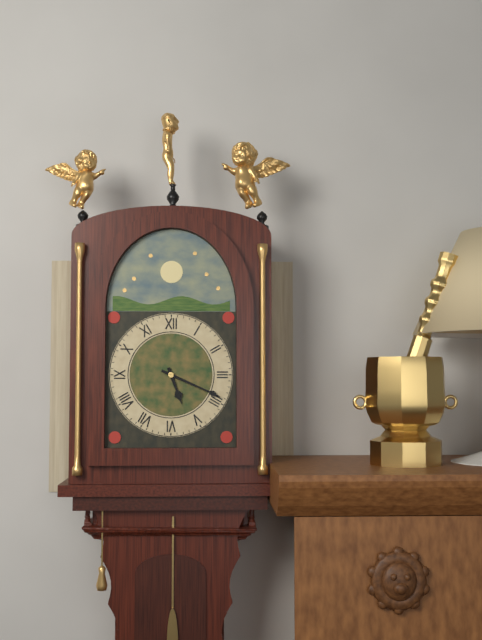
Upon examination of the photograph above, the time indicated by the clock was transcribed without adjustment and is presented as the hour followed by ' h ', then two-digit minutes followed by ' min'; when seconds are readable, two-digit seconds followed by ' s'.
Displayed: 5 h 19 min
